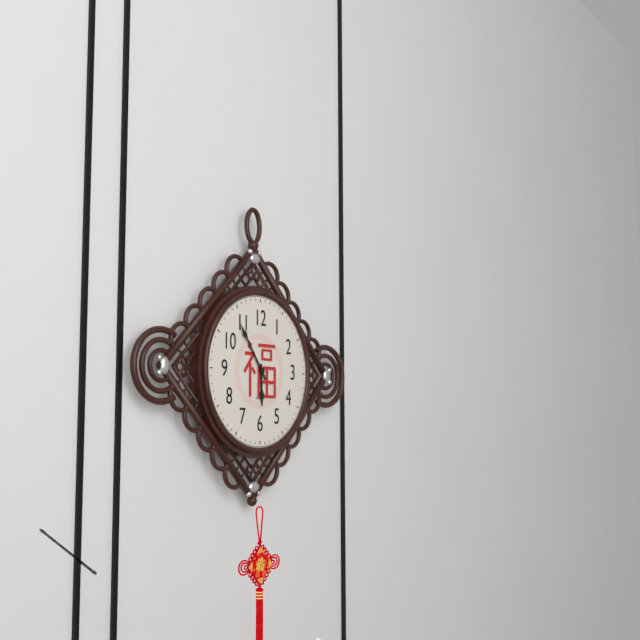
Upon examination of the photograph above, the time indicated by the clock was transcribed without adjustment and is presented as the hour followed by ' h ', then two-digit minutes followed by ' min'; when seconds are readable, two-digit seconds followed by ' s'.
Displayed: 5 h 54 min
